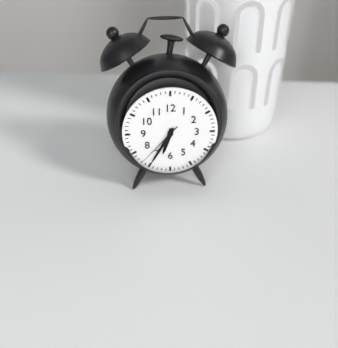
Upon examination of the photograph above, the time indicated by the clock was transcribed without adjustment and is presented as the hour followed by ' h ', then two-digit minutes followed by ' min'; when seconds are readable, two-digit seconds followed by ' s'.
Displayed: 6 h 35 min
